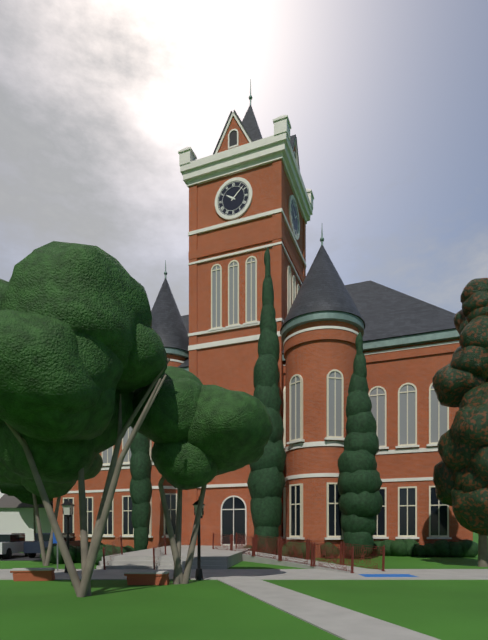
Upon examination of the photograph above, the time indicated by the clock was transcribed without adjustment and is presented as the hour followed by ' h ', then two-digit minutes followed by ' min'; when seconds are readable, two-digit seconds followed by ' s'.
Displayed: 10 h 08 min
